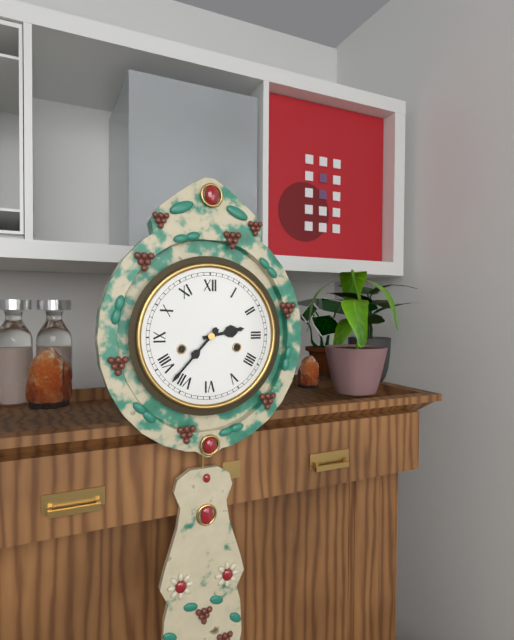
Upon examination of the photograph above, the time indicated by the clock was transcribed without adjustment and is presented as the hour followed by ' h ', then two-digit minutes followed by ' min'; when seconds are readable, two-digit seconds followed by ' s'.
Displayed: 2 h 37 min
